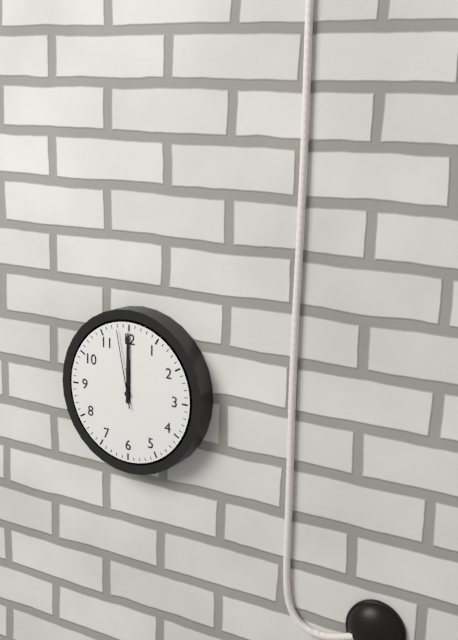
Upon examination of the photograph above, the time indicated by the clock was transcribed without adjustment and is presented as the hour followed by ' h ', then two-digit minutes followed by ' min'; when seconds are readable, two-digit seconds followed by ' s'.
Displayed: 12 h 00 min 58 s
